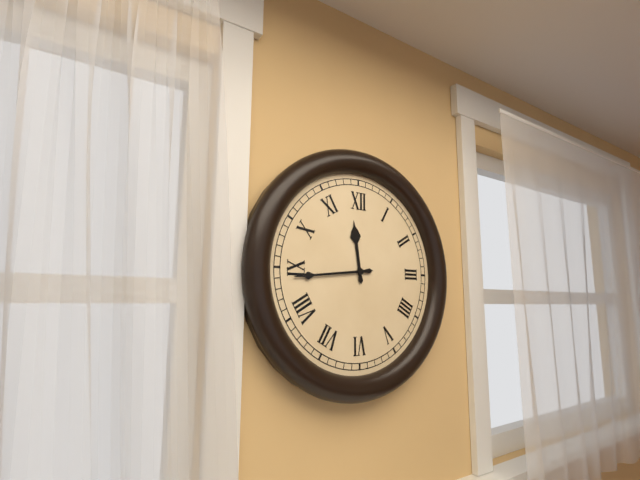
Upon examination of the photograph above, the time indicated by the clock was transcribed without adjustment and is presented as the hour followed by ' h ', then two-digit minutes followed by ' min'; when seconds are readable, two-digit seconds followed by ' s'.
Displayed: 11 h 44 min
